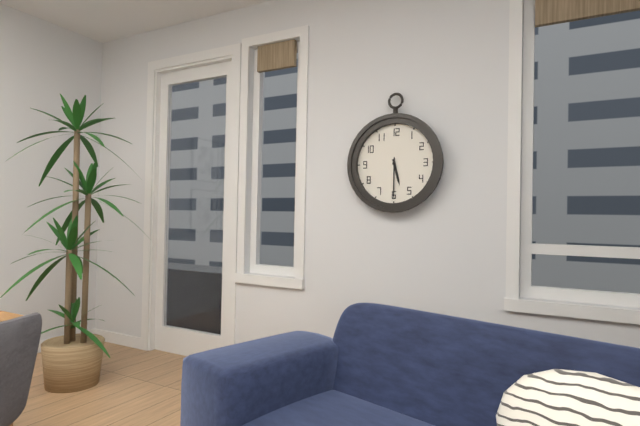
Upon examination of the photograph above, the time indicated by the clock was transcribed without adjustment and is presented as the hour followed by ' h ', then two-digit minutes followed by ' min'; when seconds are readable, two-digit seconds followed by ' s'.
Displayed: 5 h 30 min
